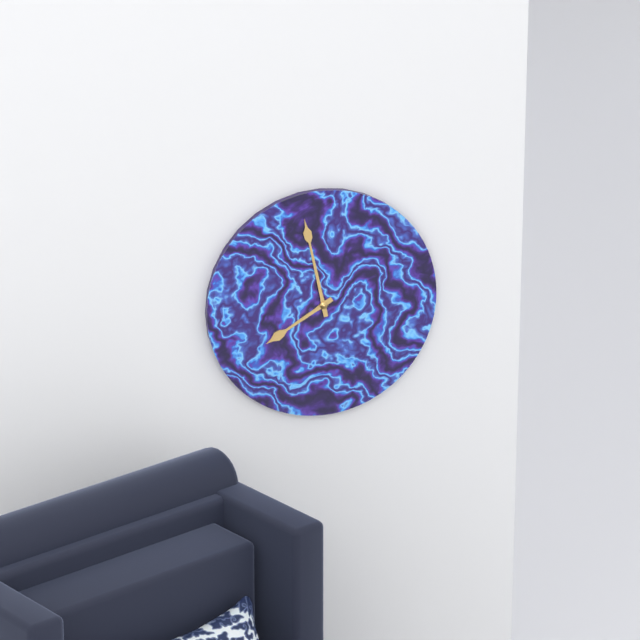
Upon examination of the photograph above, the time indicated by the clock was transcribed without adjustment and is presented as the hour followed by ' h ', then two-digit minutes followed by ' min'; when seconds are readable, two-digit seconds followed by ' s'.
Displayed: 7 h 58 min
